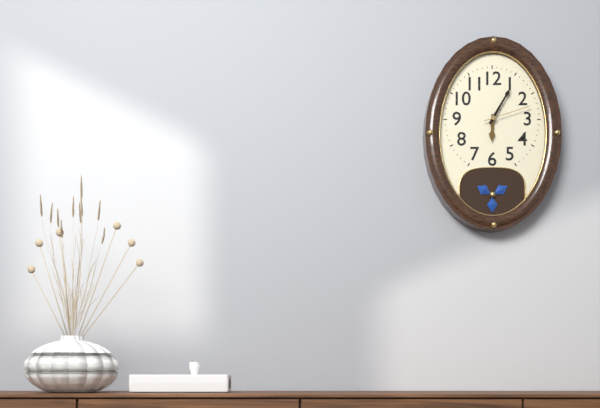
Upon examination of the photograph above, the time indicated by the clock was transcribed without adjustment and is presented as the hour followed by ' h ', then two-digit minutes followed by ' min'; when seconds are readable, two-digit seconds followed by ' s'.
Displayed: 6 h 05 min
